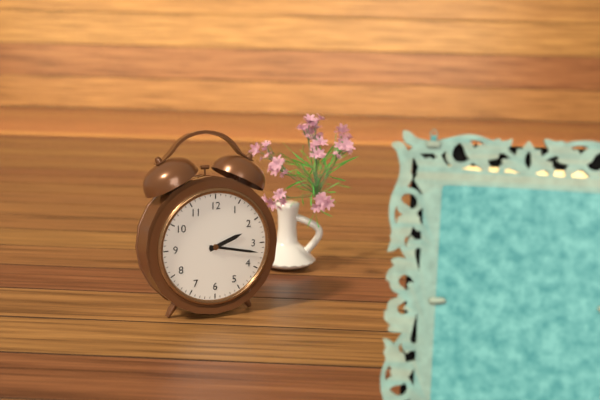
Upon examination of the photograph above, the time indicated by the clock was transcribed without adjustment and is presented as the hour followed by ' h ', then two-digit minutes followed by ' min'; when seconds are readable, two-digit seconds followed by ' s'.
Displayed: 2 h 17 min
